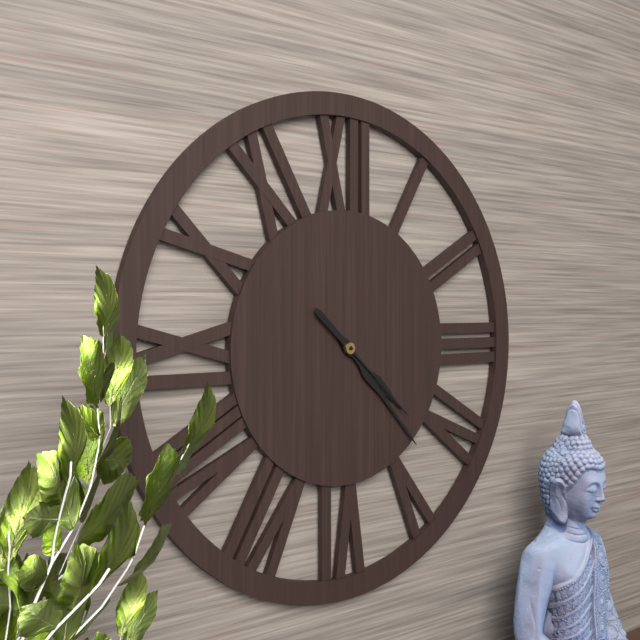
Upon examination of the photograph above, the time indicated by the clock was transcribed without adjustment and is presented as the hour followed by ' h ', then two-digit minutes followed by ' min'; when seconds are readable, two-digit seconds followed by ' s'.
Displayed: 4 h 23 min 22 s
